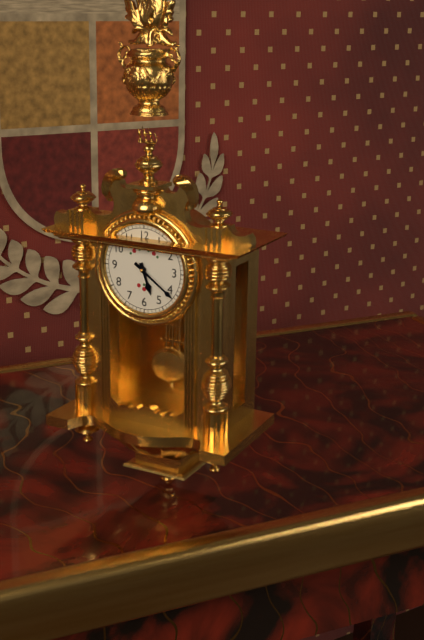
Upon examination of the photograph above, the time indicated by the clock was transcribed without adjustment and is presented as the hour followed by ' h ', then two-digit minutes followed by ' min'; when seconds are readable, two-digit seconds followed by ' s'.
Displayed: 5 h 21 min
